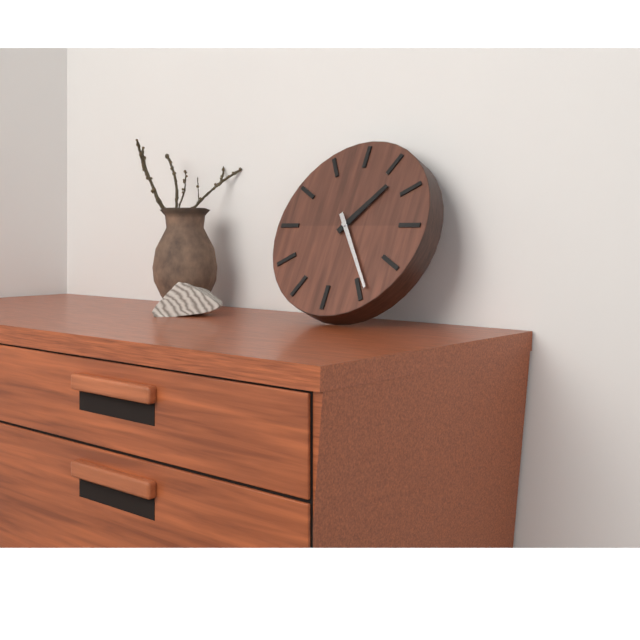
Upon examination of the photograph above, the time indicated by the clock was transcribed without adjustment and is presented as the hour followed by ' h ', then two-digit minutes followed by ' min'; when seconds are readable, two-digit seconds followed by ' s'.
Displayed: 1 h 24 min
